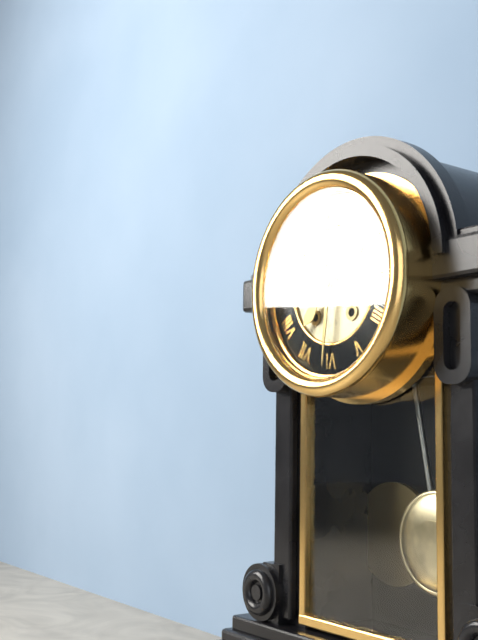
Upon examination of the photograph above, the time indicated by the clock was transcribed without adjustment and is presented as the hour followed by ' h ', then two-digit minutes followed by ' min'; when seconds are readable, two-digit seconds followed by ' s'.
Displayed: 7 h 31 min
